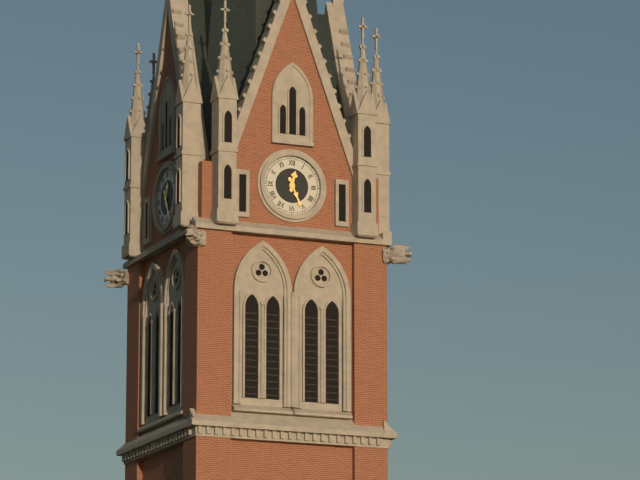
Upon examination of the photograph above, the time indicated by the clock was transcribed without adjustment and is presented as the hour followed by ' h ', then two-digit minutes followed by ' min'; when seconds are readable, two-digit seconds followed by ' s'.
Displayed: 12 h 26 min
